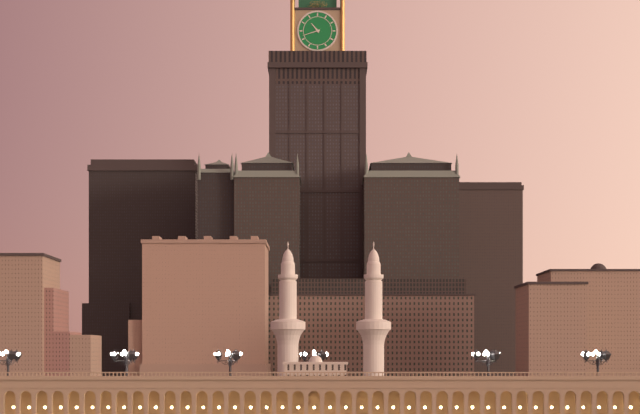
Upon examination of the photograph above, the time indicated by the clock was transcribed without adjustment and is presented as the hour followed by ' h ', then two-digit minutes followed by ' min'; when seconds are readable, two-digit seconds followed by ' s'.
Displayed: 10 h 42 min
